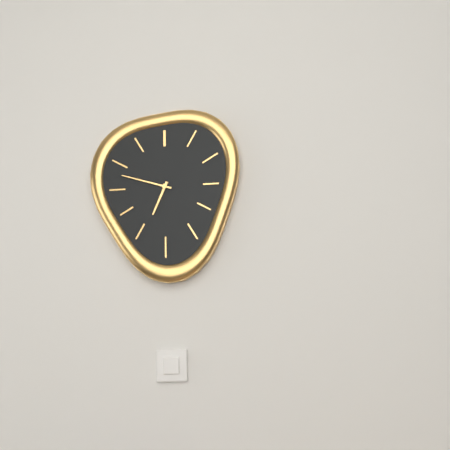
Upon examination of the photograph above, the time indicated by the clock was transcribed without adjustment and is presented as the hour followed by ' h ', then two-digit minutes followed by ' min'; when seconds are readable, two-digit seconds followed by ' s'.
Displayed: 6 h 48 min
